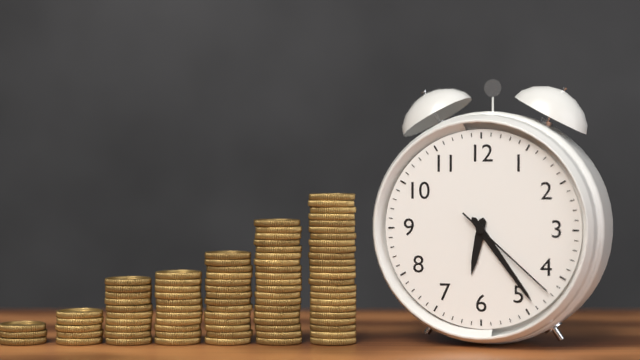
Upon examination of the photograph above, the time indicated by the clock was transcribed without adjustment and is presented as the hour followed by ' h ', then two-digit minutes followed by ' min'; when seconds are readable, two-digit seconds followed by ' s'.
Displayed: 6 h 24 min 22 s
